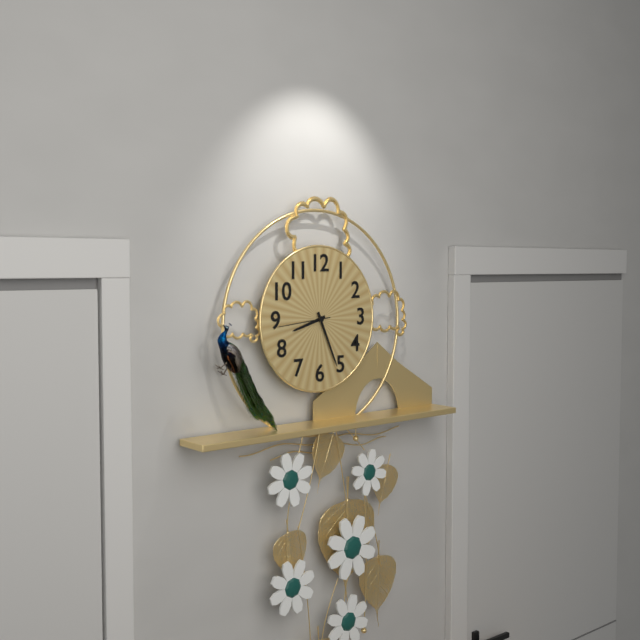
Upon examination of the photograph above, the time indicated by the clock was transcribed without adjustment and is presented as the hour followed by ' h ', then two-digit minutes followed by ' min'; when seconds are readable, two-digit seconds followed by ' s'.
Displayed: 8 h 26 min 44 s
